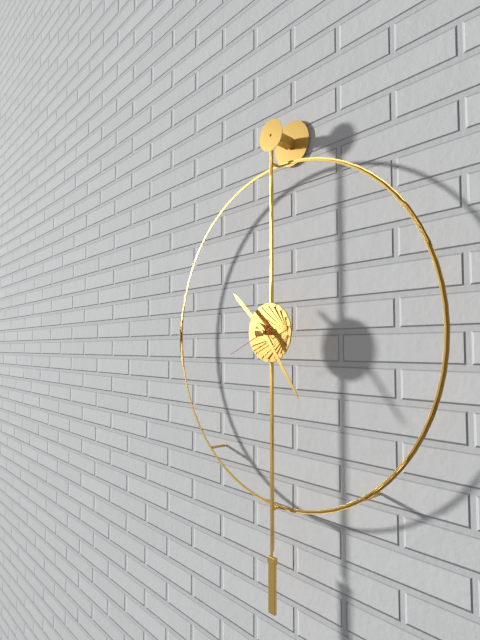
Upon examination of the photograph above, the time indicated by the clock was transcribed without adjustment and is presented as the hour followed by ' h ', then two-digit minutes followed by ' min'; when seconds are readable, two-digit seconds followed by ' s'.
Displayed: 10 h 24 min
